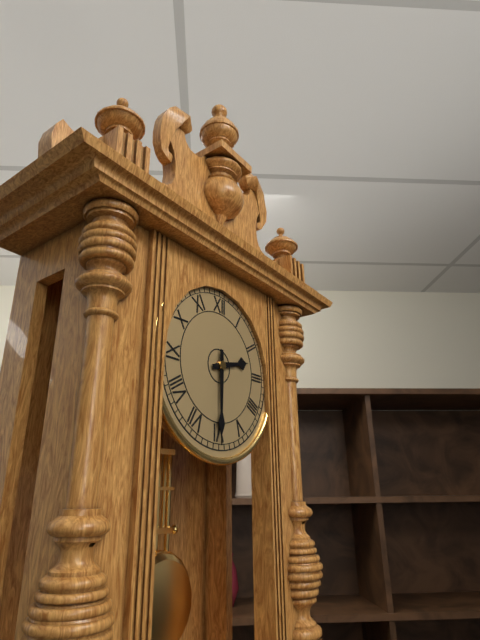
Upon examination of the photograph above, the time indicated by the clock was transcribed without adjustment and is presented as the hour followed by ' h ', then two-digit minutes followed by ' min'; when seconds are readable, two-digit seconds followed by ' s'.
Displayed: 2 h 30 min
